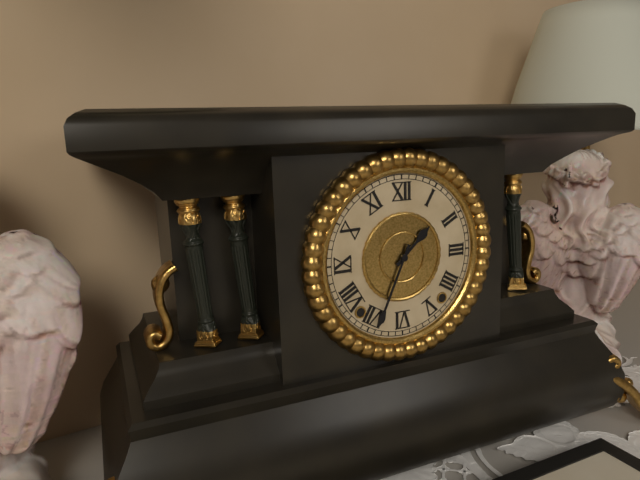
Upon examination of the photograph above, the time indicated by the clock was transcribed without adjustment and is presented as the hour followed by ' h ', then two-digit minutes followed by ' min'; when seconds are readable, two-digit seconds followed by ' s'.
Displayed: 1 h 34 min
